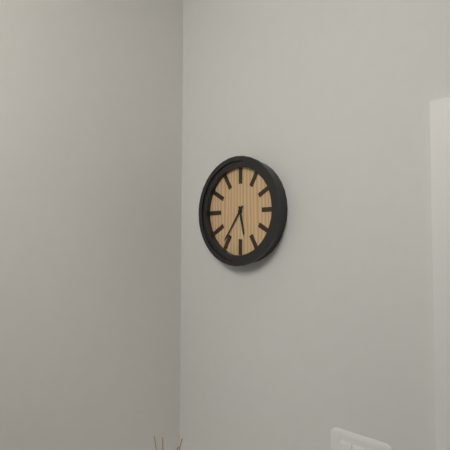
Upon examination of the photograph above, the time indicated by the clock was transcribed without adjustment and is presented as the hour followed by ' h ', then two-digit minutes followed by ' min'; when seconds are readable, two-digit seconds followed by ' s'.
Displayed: 5 h 36 min
